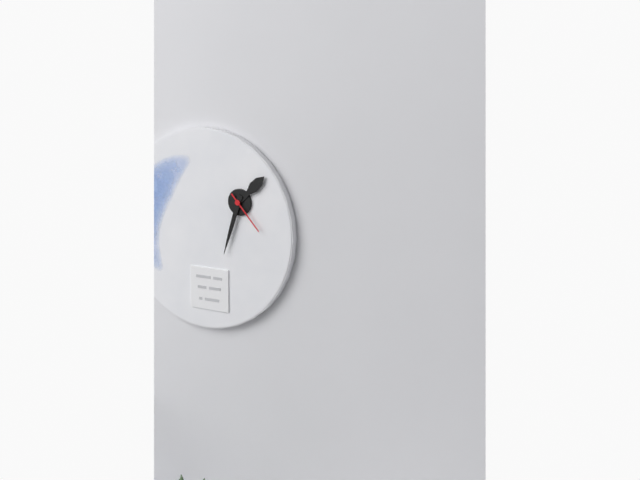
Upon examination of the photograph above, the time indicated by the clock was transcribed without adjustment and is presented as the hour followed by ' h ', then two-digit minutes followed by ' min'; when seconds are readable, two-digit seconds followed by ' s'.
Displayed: 1 h 33 min
